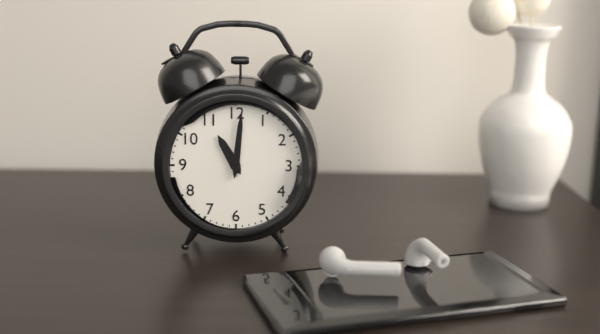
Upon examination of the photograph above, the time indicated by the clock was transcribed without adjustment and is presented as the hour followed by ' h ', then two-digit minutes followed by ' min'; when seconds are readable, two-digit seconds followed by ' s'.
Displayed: 11 h 01 min
